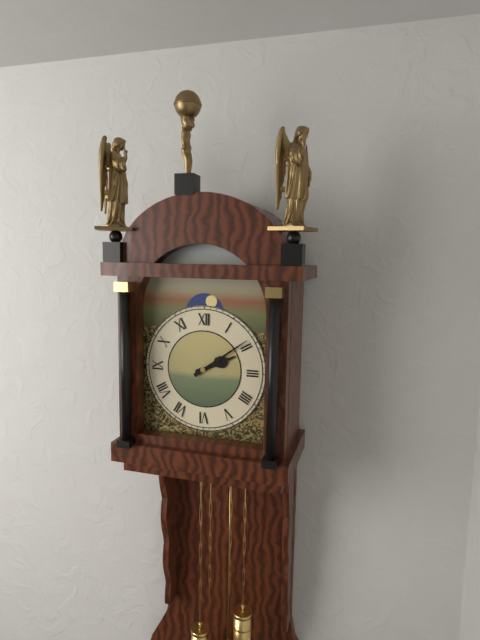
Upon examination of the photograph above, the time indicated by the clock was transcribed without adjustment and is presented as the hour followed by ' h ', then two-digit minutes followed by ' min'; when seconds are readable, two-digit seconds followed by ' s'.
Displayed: 2 h 09 min
